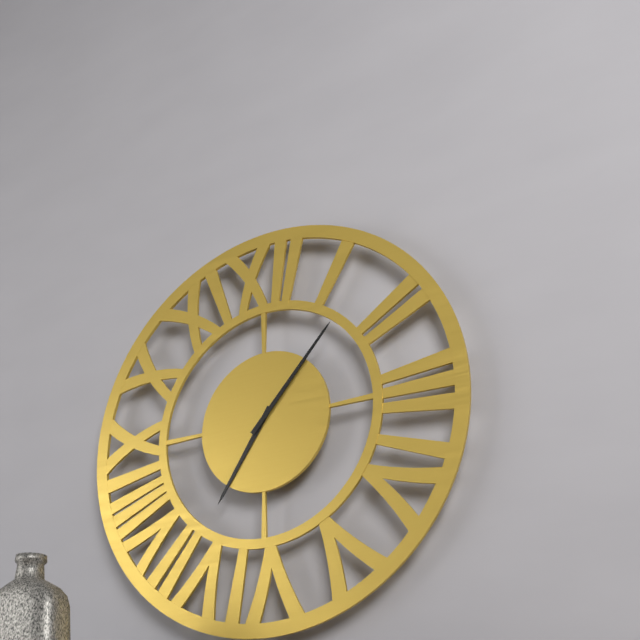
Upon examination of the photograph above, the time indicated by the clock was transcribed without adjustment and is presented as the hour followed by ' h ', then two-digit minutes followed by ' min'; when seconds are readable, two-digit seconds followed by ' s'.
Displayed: 7 h 07 min
